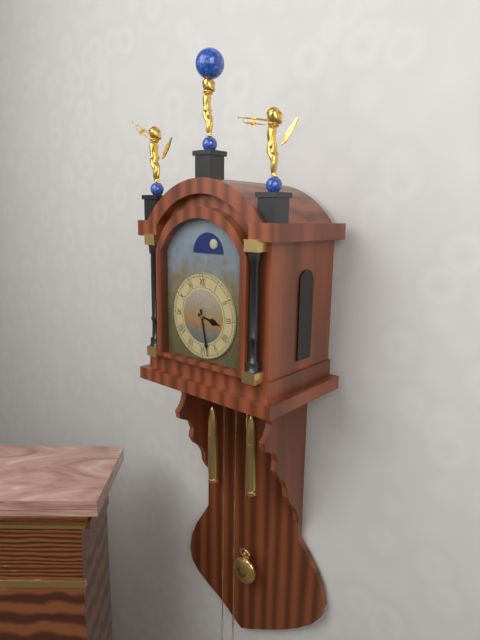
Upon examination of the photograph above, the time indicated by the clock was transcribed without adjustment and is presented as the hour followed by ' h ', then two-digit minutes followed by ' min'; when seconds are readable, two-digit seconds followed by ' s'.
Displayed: 3 h 28 min
